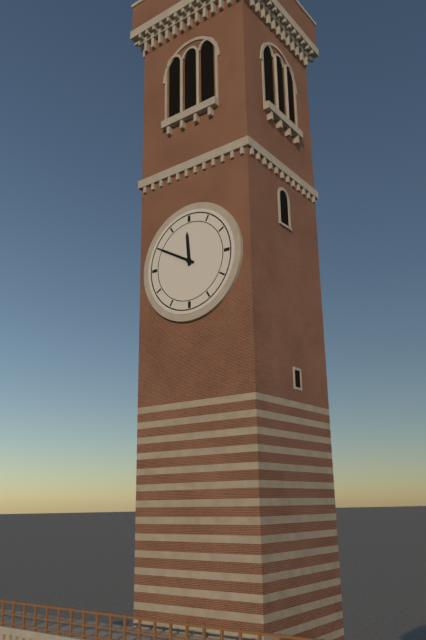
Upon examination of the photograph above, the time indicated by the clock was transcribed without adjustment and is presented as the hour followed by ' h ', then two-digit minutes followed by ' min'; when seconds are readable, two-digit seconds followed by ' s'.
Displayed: 11 h 50 min
